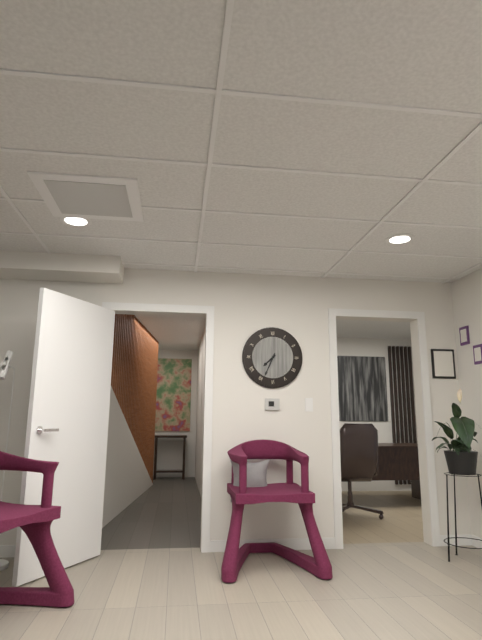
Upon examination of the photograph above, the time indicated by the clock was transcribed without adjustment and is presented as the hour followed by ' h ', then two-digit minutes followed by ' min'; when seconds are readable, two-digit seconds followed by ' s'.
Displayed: 7 h 34 min
